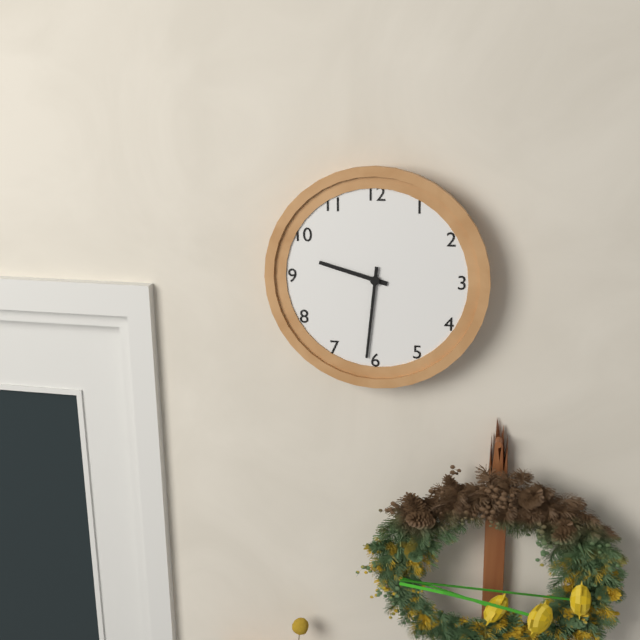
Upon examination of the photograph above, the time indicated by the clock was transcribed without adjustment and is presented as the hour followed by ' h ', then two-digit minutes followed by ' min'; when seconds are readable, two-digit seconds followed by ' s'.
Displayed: 9 h 31 min
